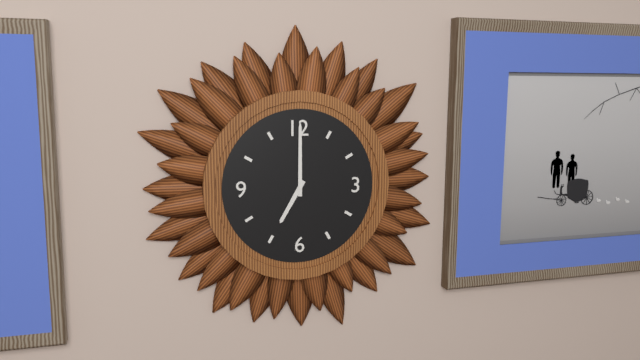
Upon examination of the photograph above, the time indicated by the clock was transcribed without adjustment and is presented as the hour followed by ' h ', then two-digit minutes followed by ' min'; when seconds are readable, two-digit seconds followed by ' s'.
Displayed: 7 h 00 min
